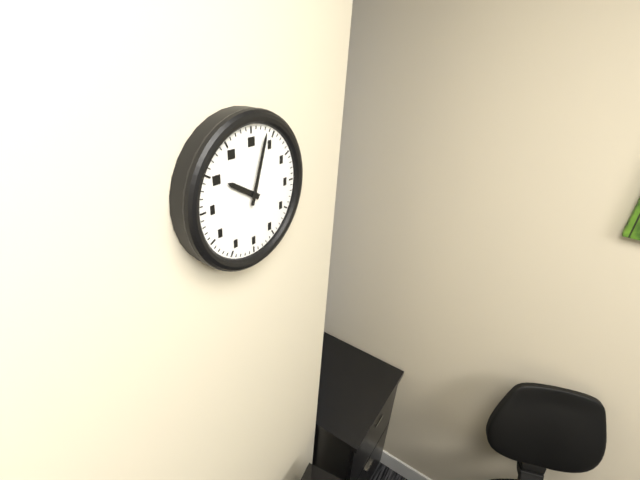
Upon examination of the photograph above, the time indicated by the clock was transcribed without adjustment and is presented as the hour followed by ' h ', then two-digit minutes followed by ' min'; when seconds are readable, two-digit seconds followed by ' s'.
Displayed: 10 h 03 min
